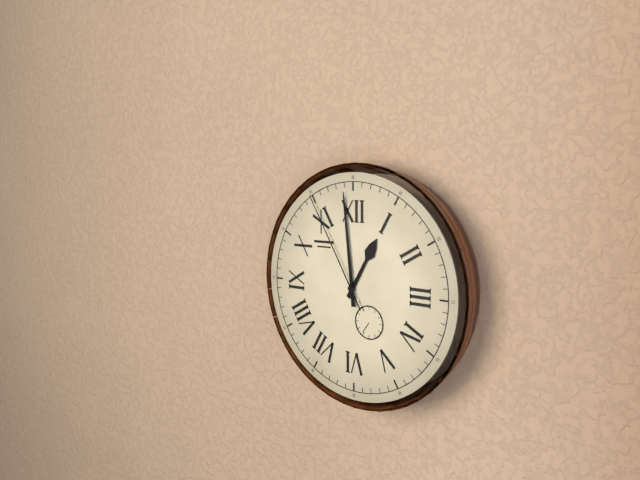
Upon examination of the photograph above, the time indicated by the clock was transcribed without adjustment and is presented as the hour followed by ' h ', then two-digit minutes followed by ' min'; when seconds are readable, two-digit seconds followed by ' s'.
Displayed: 12 h 59 min 55 s
